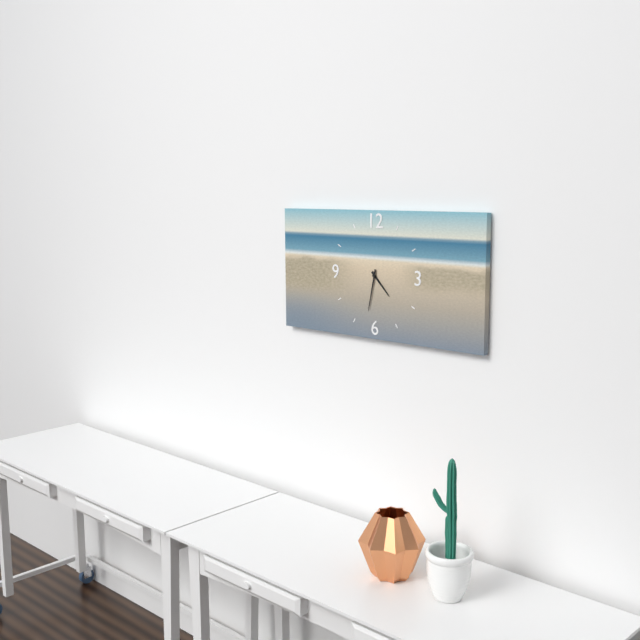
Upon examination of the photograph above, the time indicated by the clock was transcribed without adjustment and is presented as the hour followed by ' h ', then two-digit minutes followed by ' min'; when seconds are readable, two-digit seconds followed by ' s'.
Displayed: 4 h 32 min
